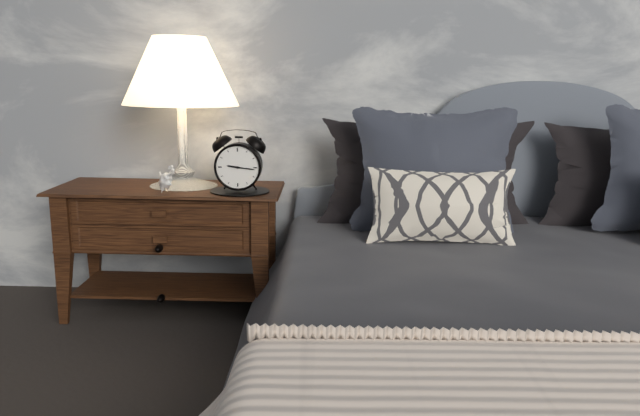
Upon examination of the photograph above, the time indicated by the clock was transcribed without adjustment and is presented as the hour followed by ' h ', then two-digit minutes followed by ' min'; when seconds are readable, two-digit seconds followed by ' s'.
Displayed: 9 h 16 min
